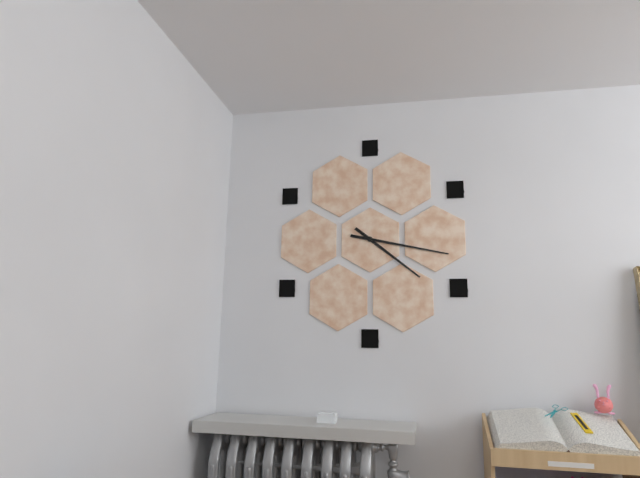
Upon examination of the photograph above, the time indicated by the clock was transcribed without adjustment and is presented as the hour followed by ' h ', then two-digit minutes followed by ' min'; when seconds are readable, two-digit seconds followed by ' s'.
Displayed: 4 h 17 min
